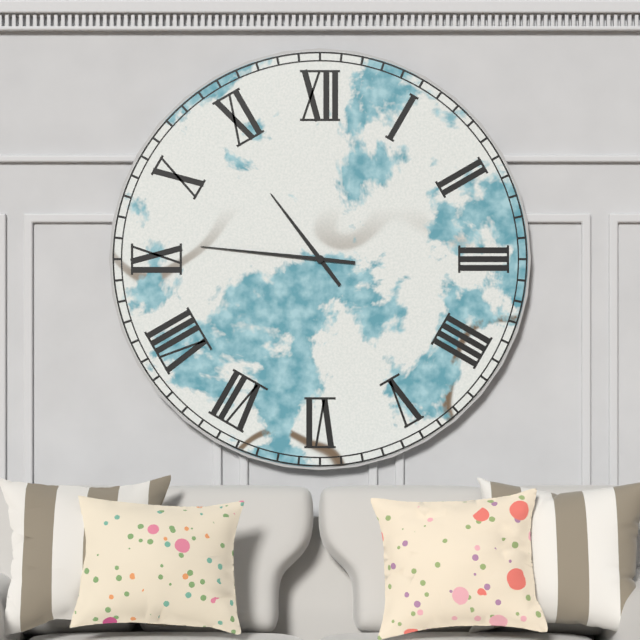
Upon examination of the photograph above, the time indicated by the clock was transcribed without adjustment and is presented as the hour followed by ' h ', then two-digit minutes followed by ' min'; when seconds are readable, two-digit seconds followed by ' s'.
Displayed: 10 h 46 min
